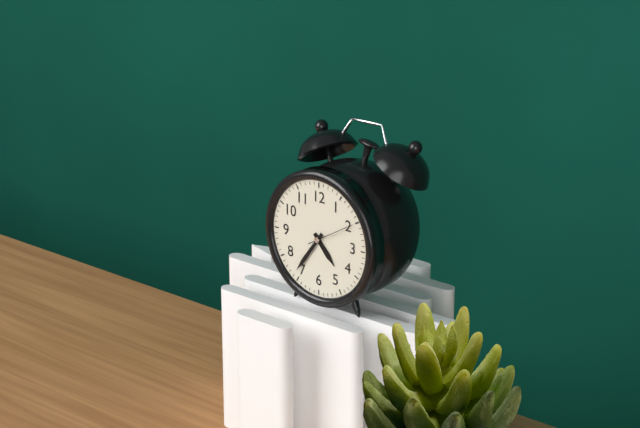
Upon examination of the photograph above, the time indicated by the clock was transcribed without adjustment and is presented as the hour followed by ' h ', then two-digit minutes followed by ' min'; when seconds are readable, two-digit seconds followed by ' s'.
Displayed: 4 h 36 min
